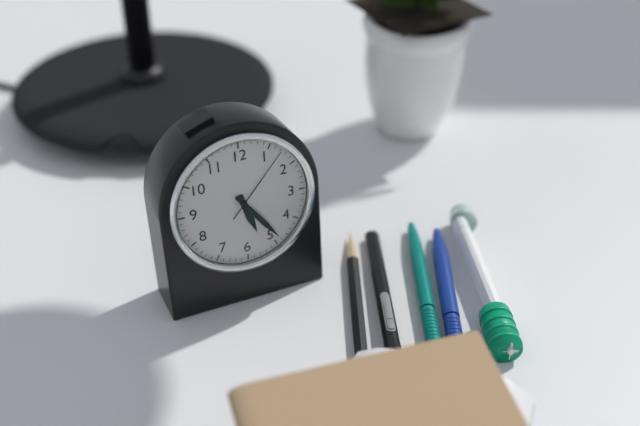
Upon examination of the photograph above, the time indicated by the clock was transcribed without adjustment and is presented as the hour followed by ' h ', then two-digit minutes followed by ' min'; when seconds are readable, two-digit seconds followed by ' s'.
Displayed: 5 h 24 min 07 s
